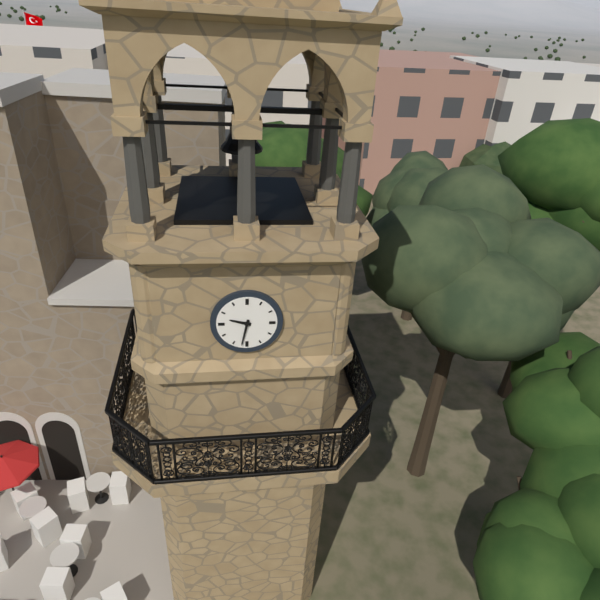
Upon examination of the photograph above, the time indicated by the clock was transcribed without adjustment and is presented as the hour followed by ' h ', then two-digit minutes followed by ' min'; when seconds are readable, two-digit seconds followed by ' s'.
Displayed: 9 h 32 min
